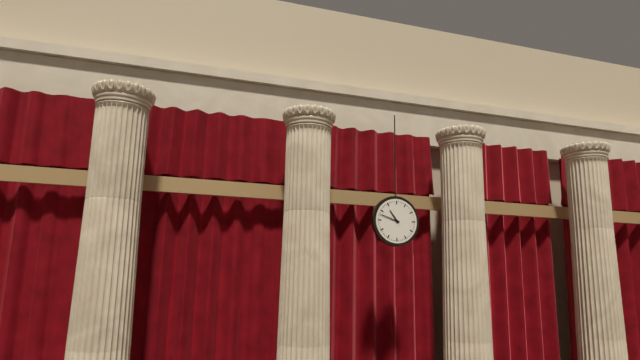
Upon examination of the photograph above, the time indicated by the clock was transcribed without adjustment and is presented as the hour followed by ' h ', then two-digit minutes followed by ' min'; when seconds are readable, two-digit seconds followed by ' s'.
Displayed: 10 h 48 min
